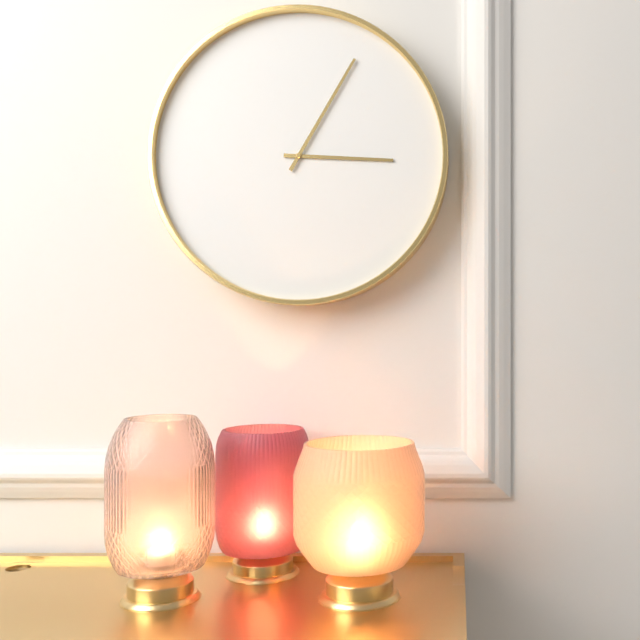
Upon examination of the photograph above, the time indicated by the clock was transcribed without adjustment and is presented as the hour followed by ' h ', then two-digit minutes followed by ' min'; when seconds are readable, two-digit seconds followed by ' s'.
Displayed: 3 h 05 min
